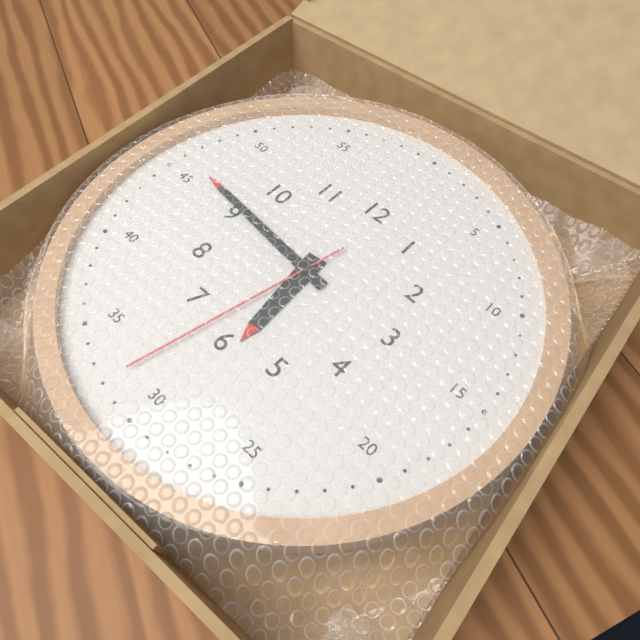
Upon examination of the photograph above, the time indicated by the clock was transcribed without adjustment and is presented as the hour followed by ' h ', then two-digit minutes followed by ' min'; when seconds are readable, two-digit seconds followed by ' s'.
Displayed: 5 h 46 min 32 s
